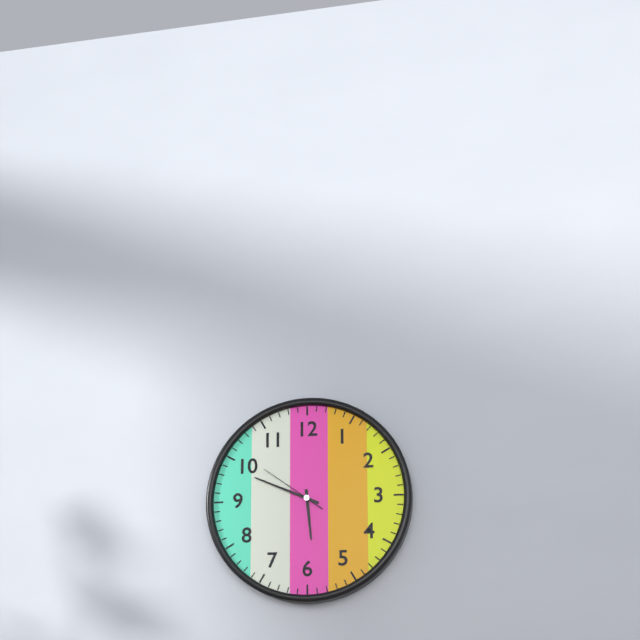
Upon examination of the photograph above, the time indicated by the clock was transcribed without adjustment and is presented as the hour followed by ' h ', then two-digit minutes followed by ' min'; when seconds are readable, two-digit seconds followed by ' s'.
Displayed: 5 h 49 min 51 s
